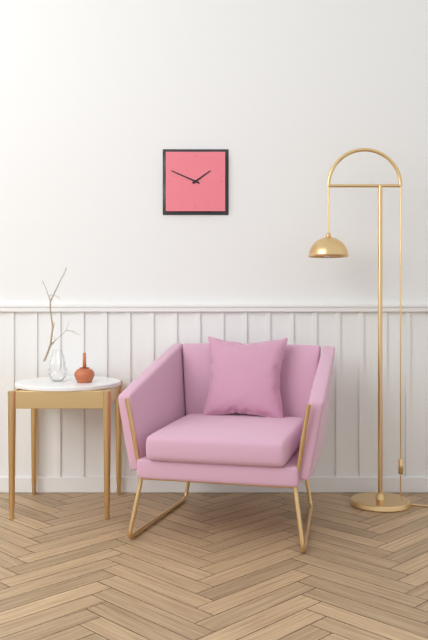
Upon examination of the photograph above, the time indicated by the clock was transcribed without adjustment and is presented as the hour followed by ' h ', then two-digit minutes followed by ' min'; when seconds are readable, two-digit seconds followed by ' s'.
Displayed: 1 h 49 min
